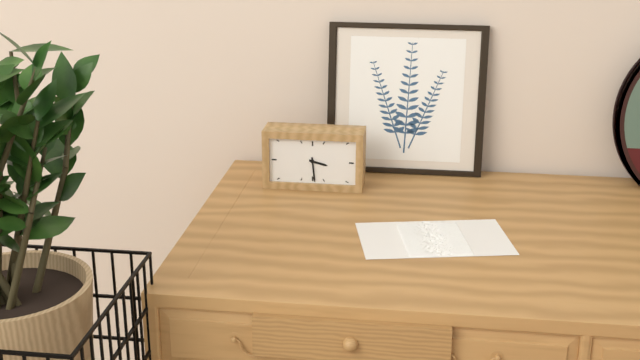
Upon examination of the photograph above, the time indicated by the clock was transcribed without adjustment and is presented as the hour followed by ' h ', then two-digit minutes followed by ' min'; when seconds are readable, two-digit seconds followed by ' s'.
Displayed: 3 h 29 min
